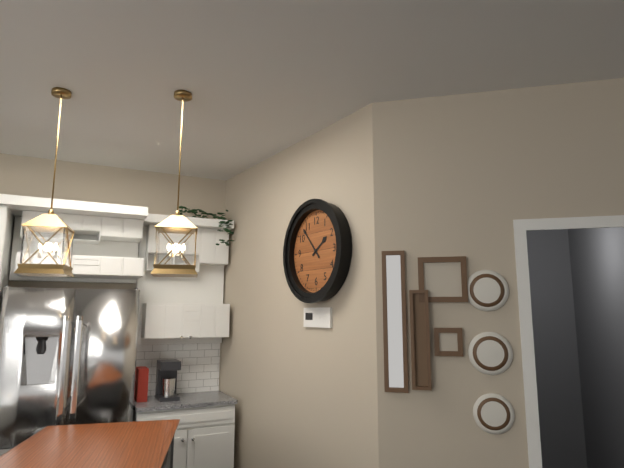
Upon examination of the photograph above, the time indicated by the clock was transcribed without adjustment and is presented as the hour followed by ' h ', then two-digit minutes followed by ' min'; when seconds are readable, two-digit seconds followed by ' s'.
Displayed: 1 h 53 min
